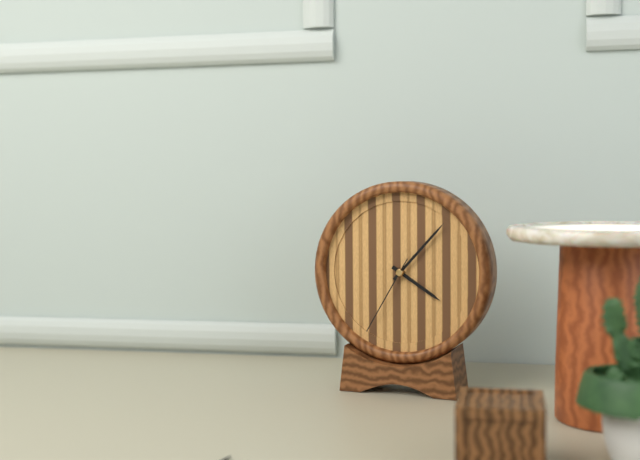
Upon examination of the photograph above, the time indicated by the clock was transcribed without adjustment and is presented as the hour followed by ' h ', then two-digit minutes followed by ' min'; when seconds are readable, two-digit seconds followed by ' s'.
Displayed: 4 h 07 min 35 s
